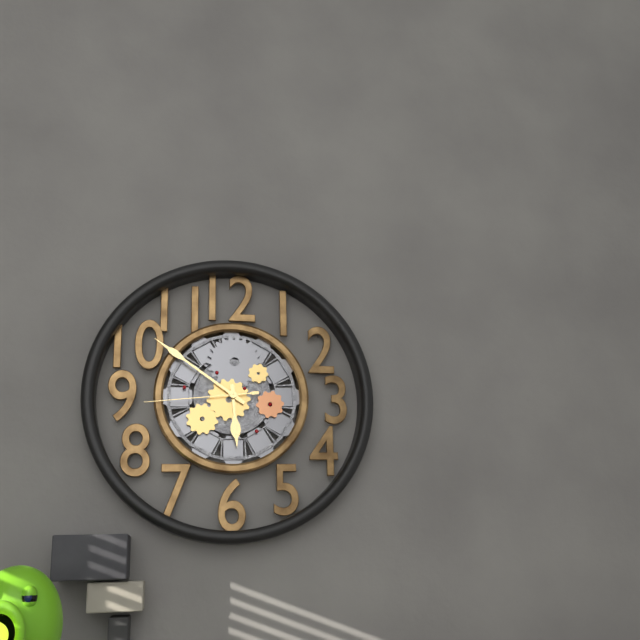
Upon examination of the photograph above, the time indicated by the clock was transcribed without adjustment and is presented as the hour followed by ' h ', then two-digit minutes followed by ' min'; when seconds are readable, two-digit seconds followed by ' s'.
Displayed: 5 h 51 min 44 s
